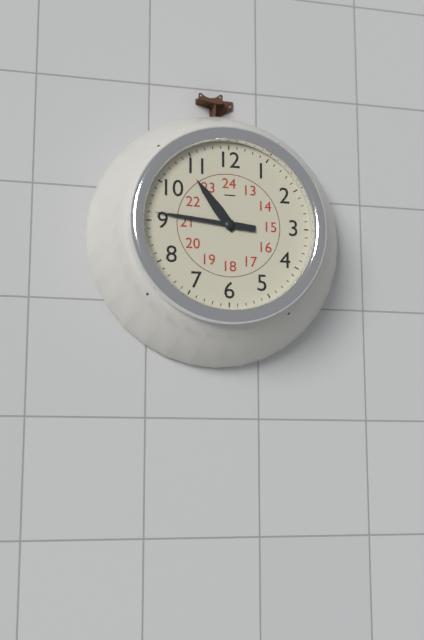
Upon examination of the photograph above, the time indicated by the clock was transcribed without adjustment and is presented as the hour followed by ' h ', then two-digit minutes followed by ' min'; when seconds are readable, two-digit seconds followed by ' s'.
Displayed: 10 h 46 min
